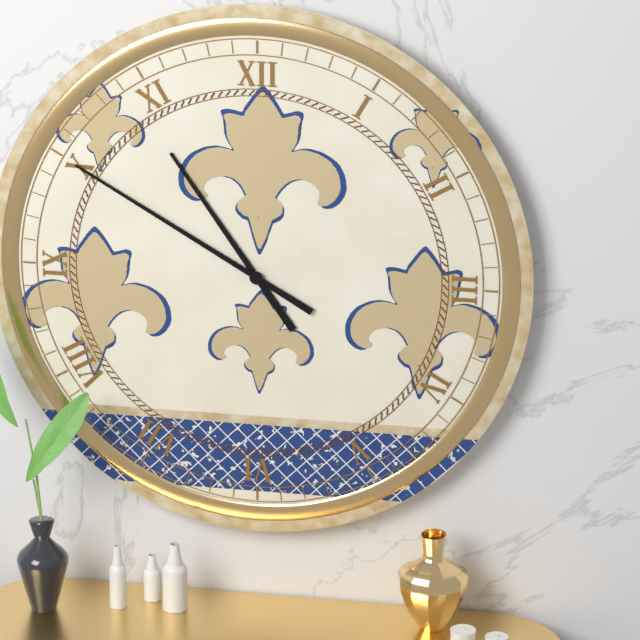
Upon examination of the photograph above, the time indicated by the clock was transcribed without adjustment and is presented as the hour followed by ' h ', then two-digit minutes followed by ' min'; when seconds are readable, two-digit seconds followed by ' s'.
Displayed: 10 h 50 min
